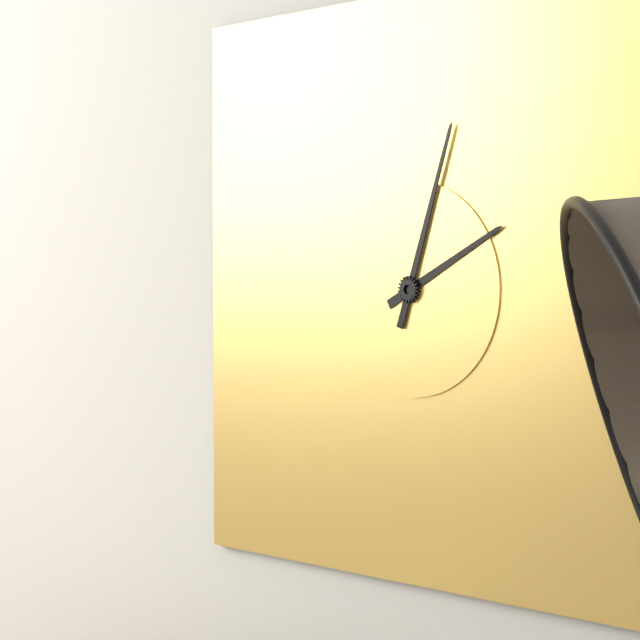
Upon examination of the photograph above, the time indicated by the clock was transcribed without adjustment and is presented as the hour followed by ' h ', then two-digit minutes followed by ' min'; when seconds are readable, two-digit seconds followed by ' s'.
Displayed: 2 h 03 min
